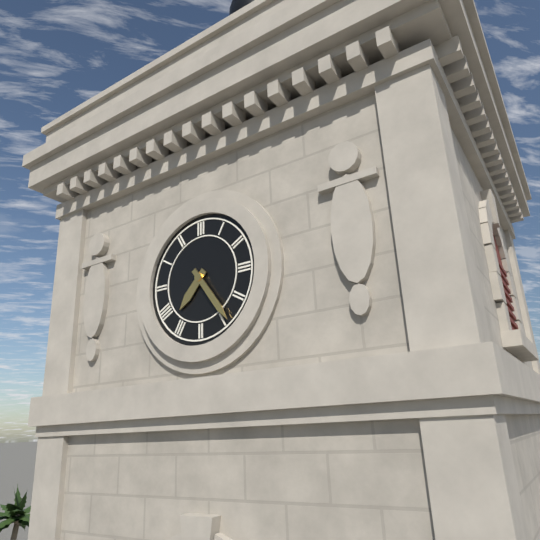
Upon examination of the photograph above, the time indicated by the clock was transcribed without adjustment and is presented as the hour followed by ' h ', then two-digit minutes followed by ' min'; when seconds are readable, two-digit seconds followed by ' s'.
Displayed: 7 h 24 min
